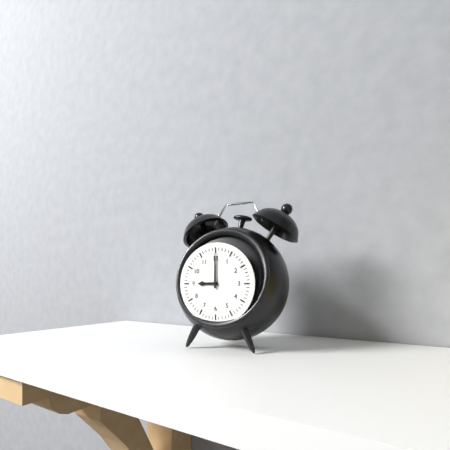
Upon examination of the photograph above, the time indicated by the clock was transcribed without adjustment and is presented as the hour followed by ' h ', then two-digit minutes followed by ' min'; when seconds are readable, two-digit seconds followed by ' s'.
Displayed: 9 h 00 min
